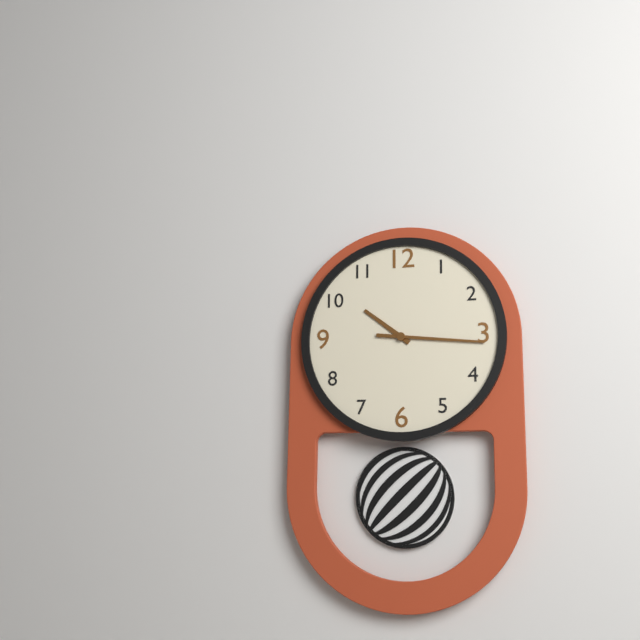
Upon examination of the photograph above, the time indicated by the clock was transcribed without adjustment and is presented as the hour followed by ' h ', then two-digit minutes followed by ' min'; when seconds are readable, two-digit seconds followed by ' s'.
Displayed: 10 h 16 min
